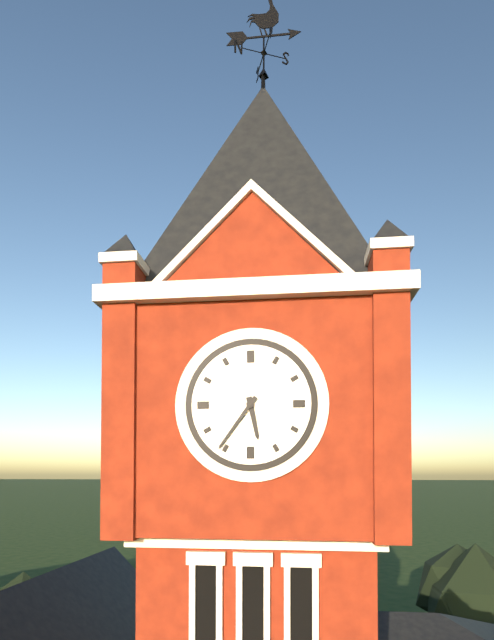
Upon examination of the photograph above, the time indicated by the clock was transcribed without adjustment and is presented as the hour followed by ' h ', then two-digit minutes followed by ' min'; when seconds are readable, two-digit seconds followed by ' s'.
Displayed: 5 h 36 min
